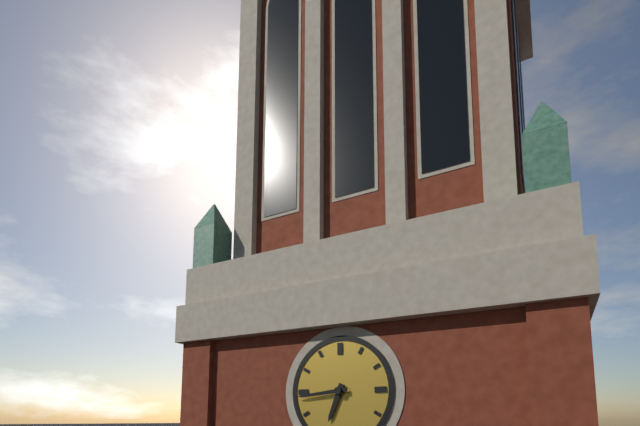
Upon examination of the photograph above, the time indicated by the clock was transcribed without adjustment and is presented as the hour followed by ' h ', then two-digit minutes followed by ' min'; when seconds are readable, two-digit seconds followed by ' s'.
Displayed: 6 h 44 min
